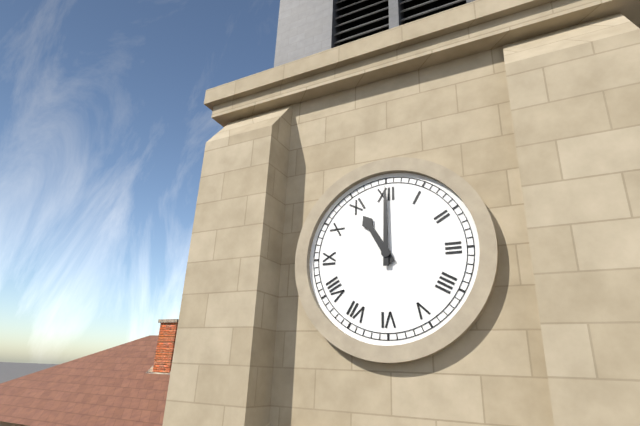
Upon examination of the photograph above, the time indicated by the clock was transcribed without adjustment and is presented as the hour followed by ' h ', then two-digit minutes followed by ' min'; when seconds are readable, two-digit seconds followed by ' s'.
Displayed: 11 h 00 min
